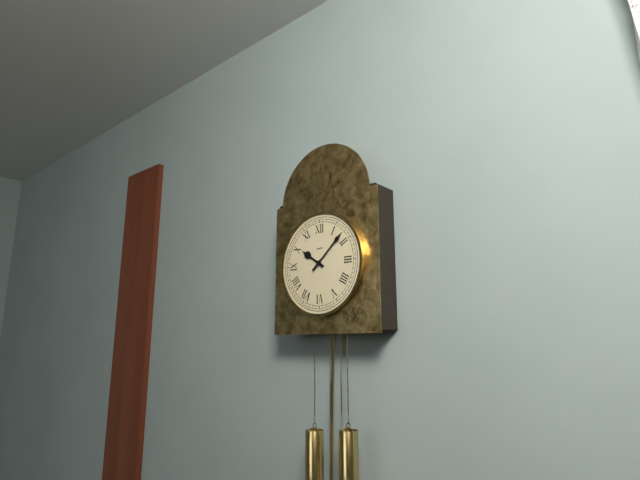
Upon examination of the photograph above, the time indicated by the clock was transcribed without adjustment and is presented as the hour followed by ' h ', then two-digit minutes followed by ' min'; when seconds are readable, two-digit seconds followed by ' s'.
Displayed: 10 h 08 min
